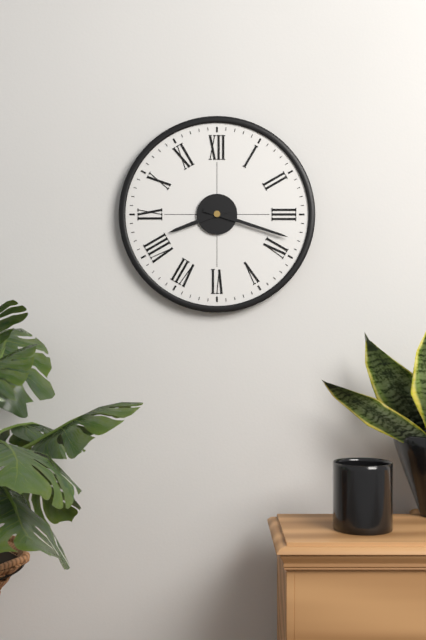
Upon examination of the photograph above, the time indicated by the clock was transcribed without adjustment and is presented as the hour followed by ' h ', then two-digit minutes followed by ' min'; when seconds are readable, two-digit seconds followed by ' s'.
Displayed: 8 h 18 min
